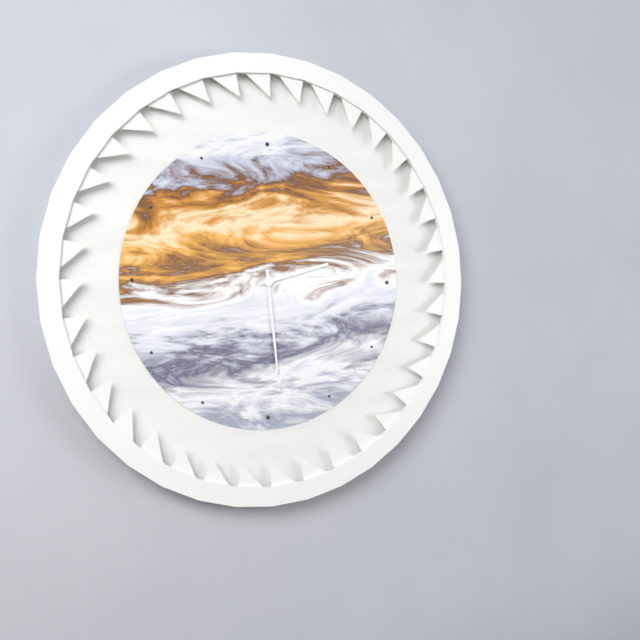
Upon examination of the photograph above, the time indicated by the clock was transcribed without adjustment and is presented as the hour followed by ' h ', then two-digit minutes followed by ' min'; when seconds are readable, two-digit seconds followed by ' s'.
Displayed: 2 h 29 min
